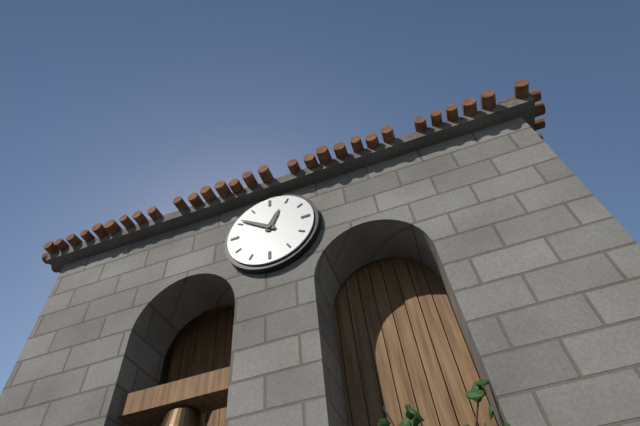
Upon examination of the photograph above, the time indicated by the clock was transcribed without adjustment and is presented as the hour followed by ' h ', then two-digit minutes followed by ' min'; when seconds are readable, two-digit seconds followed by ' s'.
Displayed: 12 h 51 min
